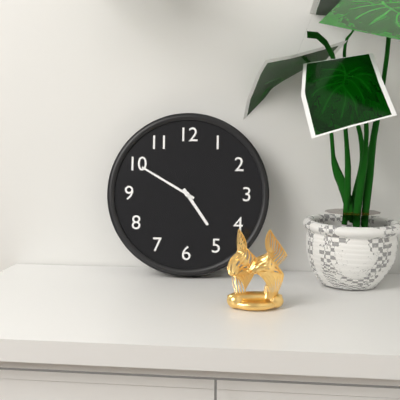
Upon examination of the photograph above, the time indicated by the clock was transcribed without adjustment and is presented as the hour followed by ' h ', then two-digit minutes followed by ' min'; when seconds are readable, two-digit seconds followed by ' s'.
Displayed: 4 h 50 min
